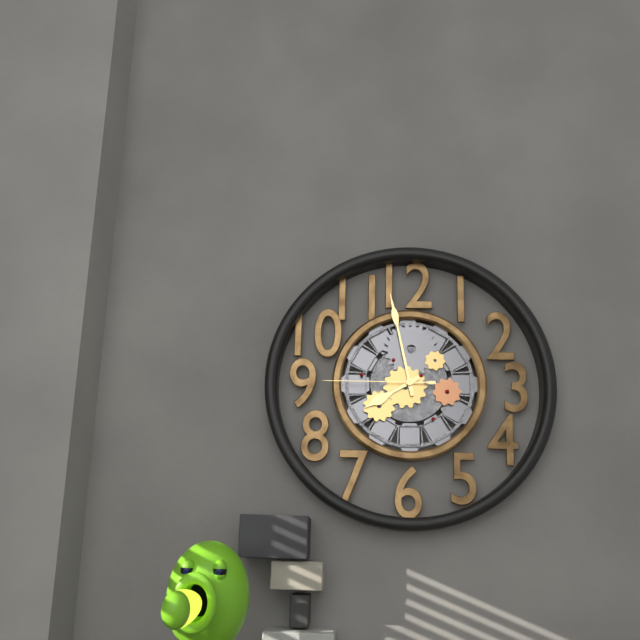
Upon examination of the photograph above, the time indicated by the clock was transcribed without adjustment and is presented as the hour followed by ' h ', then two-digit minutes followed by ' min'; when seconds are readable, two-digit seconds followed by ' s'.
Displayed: 7 h 58 min 45 s
